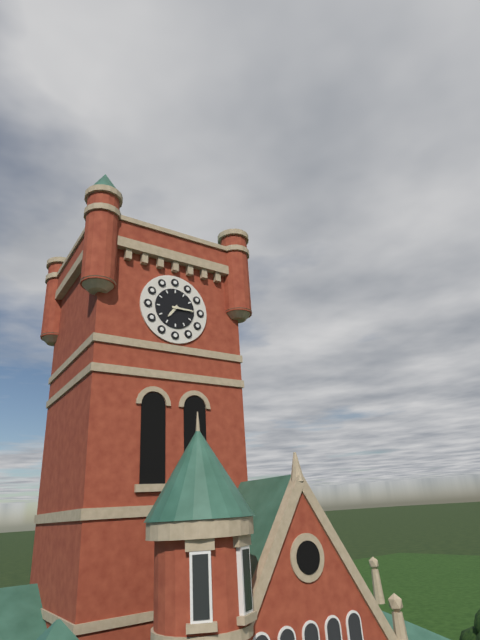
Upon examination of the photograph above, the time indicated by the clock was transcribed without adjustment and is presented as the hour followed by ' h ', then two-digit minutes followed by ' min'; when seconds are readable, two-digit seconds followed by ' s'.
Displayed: 7 h 15 min
